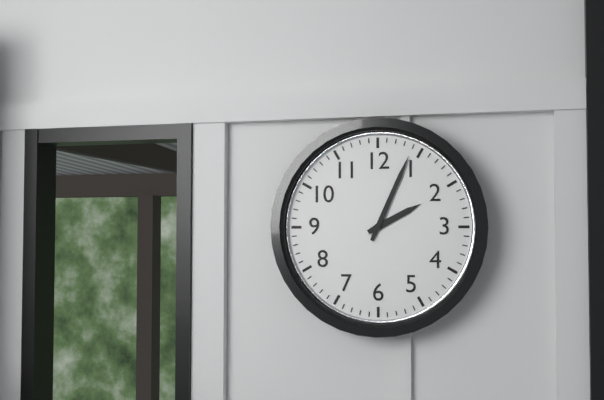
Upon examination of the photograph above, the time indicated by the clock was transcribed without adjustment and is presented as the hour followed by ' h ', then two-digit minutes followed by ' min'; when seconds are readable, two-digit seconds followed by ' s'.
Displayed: 2 h 04 min
